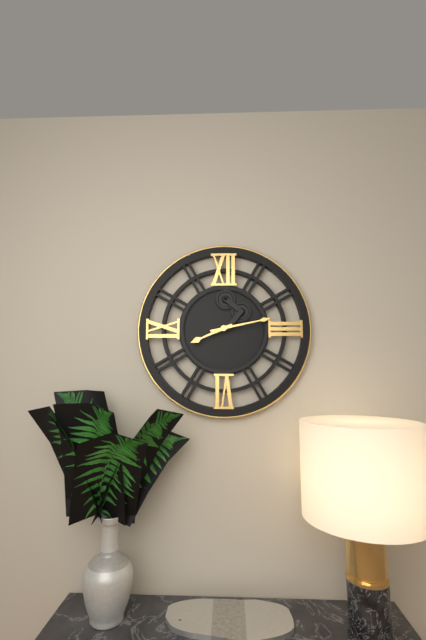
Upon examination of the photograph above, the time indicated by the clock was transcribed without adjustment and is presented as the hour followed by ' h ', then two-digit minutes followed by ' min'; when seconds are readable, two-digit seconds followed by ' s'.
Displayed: 8 h 13 min
